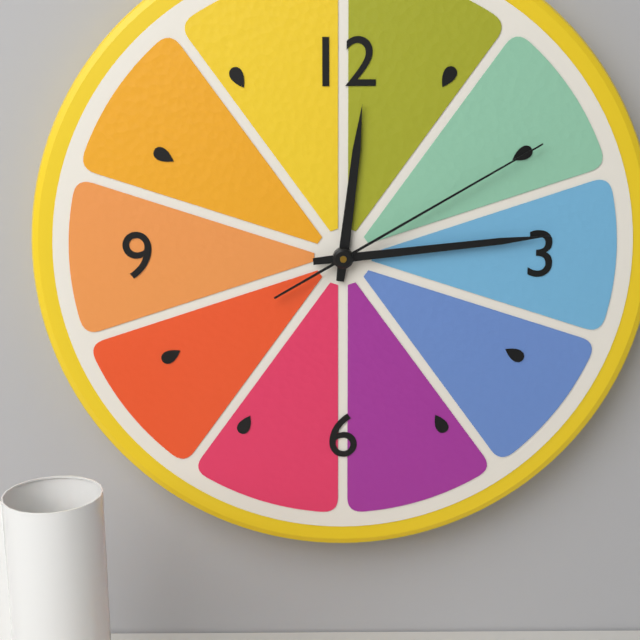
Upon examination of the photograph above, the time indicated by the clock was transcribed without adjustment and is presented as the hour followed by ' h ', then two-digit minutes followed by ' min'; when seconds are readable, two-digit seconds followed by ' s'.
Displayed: 12 h 14 min 10 s
